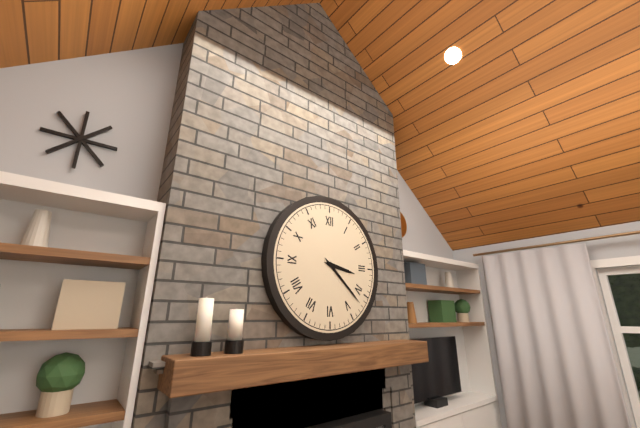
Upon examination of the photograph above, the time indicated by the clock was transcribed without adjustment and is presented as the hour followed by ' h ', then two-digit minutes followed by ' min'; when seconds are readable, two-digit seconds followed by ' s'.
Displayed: 3 h 22 min
